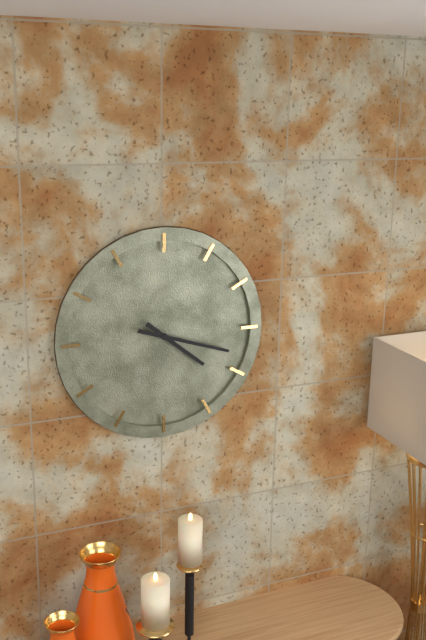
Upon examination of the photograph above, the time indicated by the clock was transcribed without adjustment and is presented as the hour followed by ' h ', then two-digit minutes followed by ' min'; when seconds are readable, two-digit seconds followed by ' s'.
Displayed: 4 h 18 min
